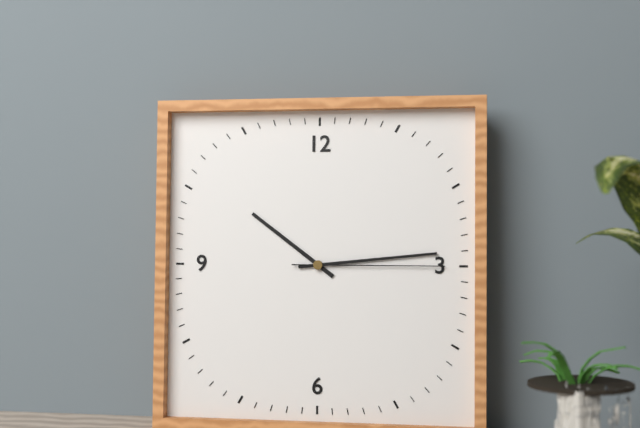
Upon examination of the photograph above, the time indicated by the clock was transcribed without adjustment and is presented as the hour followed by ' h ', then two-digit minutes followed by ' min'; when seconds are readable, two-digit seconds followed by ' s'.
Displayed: 10 h 14 min 15 s
